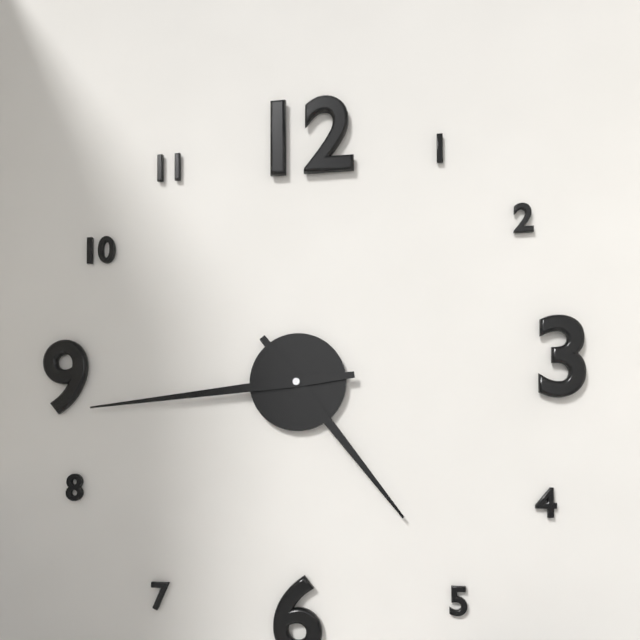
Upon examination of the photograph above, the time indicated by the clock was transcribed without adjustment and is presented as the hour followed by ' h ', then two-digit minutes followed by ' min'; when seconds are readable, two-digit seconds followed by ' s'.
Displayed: 4 h 44 min
